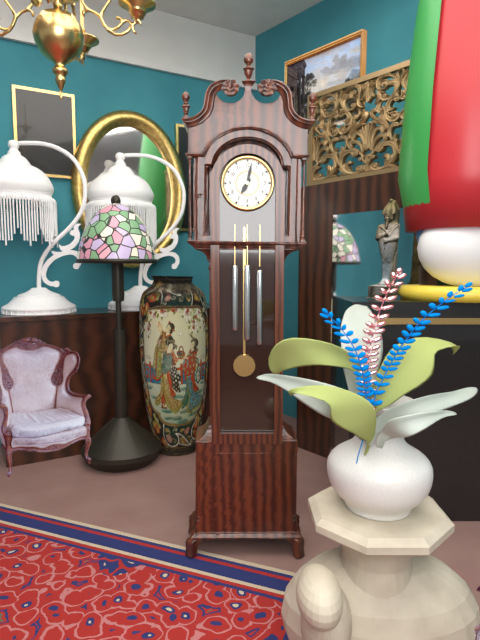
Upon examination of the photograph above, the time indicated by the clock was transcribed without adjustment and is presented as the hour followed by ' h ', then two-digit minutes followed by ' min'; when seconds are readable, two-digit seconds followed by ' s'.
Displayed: 7 h 02 min
